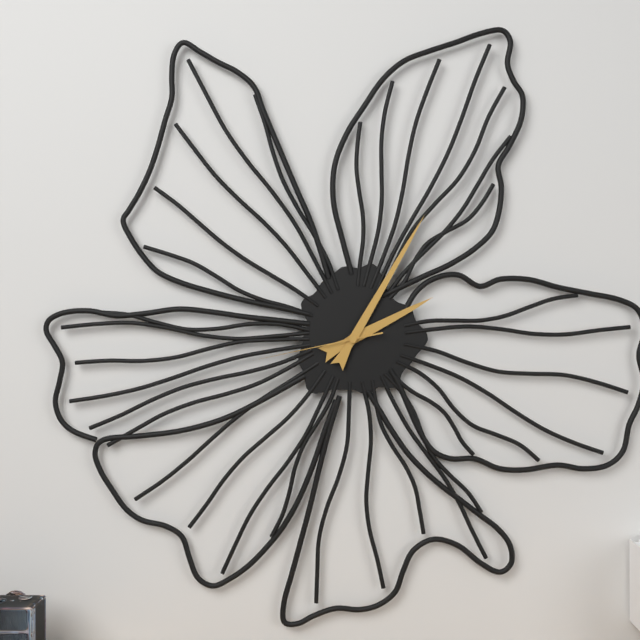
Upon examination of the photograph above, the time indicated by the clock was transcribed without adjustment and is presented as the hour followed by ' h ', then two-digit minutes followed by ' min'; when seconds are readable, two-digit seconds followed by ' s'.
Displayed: 2 h 05 min 43 s
